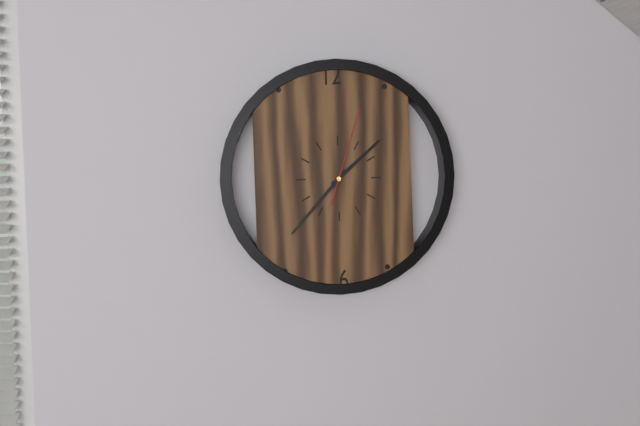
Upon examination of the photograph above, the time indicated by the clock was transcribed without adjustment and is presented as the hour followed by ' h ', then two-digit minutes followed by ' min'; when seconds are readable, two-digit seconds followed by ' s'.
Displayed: 1 h 37 min 03 s
